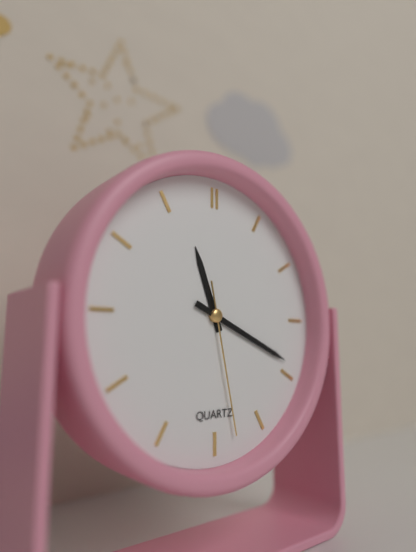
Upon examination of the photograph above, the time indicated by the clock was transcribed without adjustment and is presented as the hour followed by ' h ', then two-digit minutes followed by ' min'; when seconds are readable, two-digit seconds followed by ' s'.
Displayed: 11 h 19 min 28 s
